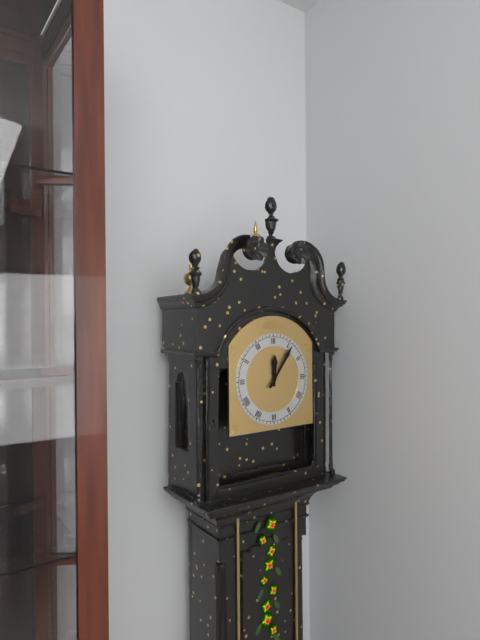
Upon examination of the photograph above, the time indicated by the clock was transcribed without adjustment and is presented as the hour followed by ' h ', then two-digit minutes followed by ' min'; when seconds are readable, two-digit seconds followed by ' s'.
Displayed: 12 h 06 min
